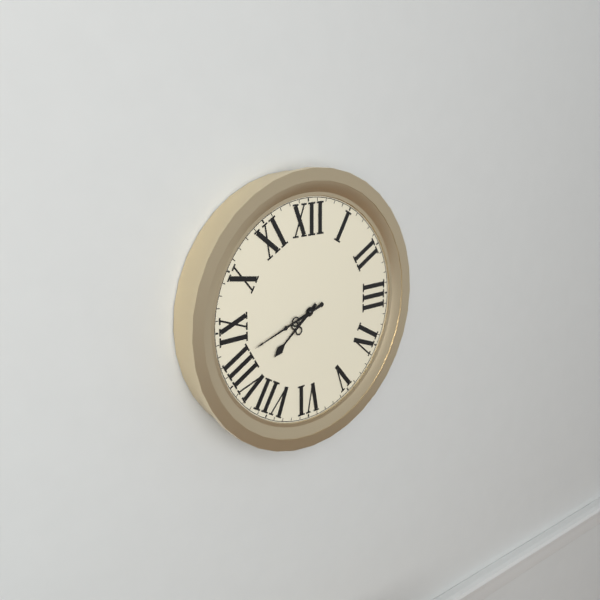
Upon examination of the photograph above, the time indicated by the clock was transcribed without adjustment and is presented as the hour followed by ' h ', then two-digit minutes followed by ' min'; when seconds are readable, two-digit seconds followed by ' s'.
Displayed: 7 h 42 min
